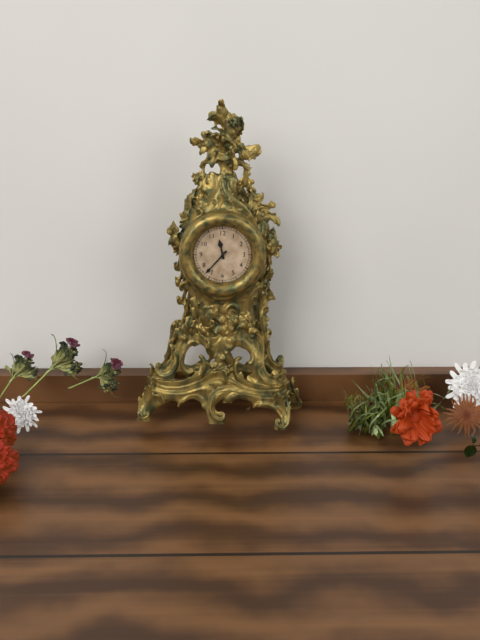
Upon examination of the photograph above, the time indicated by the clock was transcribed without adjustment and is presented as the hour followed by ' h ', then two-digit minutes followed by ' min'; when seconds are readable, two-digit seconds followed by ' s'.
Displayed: 11 h 37 min
